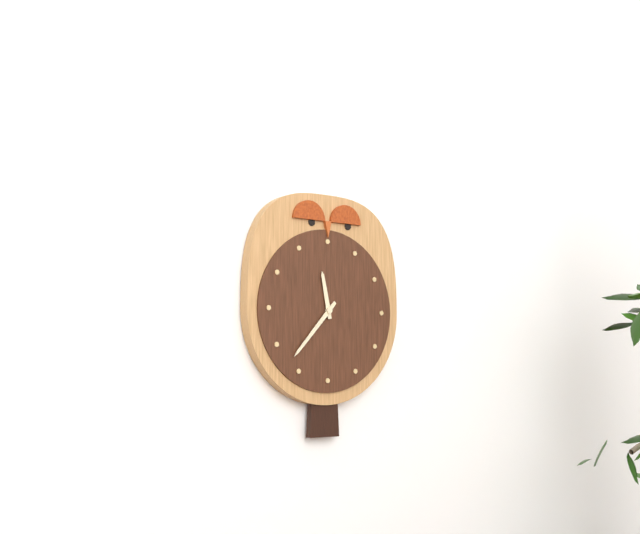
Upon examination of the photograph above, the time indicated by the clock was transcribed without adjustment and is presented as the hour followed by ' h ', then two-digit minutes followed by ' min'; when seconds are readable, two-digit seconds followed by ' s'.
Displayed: 11 h 37 min
